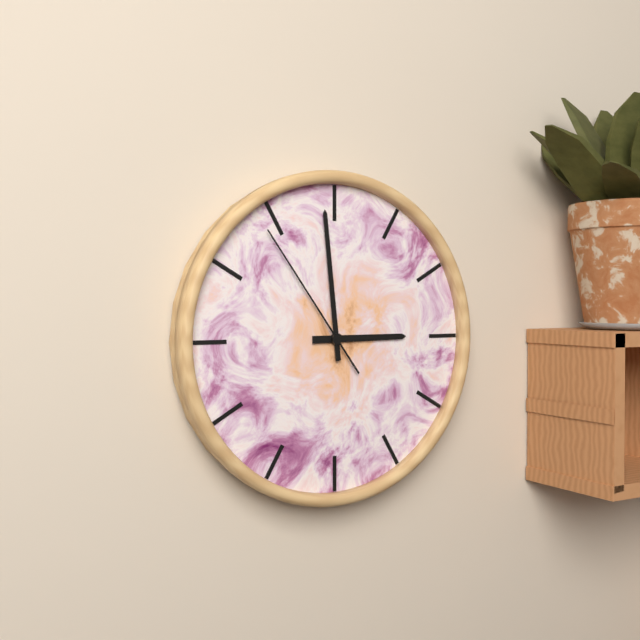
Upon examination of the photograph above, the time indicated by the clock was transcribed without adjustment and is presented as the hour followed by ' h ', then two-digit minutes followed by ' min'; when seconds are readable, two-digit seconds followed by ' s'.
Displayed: 2 h 59 min 54 s
